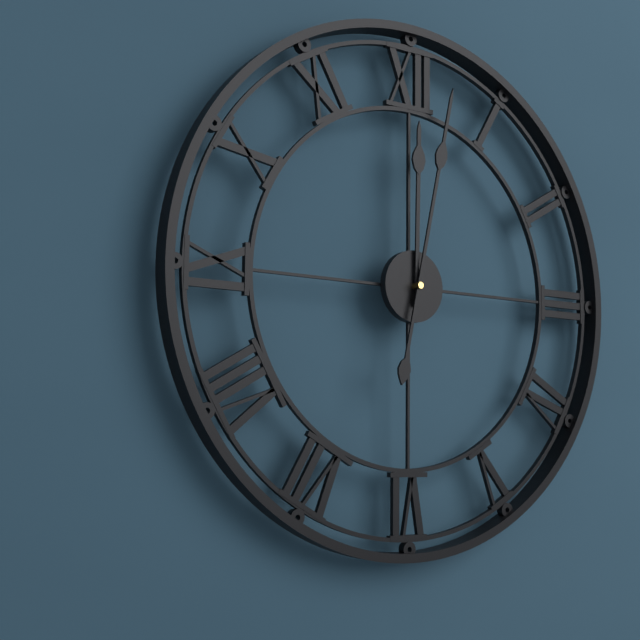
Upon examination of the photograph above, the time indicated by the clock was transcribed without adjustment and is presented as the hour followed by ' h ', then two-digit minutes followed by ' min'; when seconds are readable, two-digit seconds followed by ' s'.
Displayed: 12 h 02 min
